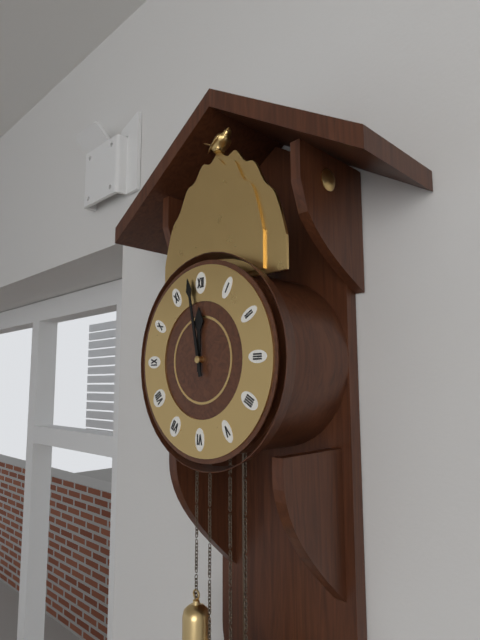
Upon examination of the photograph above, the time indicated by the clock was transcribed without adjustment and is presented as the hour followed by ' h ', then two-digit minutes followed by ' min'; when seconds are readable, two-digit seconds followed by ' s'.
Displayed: 11 h 58 min
